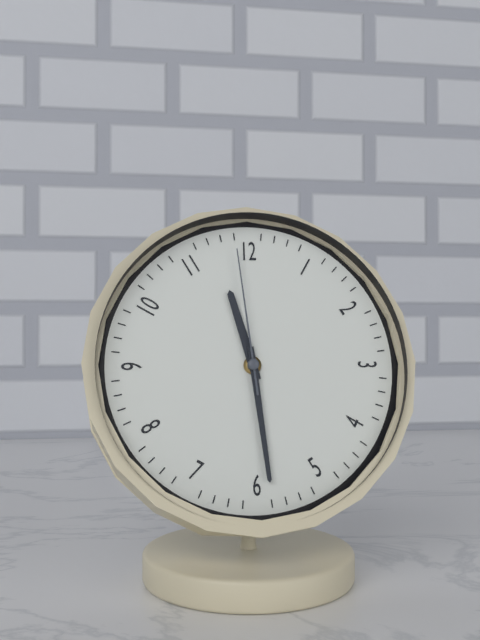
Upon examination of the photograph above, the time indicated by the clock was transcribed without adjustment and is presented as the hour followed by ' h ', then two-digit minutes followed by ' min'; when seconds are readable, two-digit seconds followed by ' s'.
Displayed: 11 h 29 min 59 s
